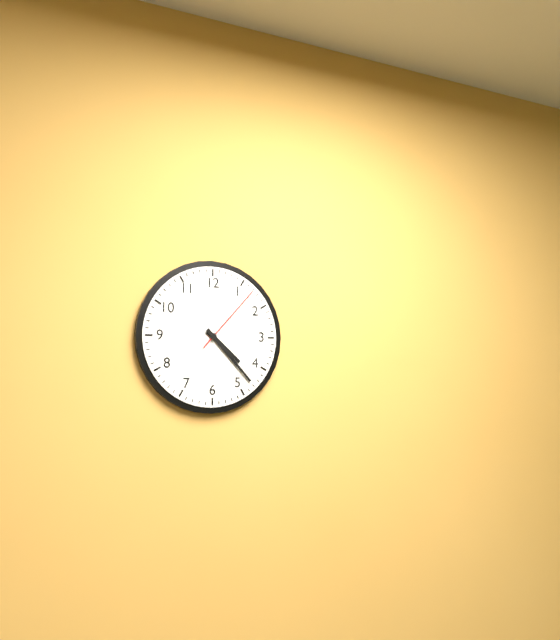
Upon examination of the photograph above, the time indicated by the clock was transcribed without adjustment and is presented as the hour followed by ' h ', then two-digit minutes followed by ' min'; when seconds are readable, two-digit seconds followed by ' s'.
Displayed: 4 h 23 min 07 s
